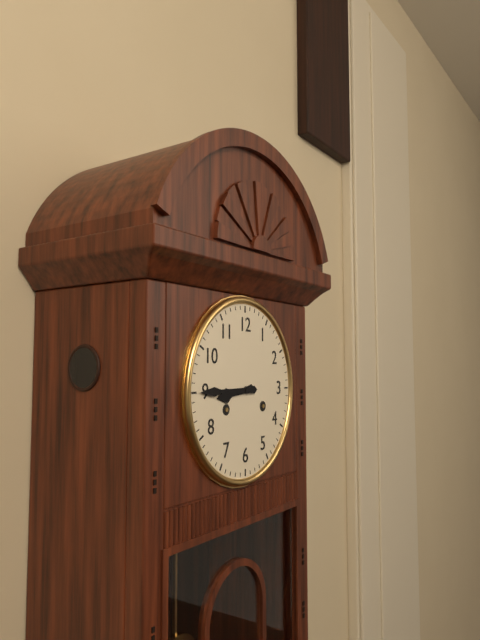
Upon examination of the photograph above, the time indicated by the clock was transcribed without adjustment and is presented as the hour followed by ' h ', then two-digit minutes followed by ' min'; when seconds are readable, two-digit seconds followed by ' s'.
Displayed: 8 h 45 min
